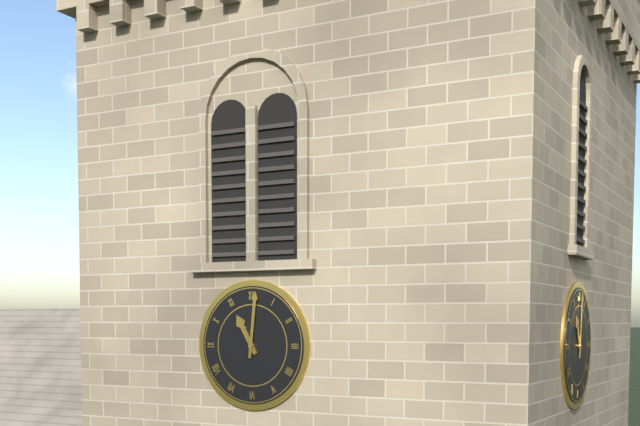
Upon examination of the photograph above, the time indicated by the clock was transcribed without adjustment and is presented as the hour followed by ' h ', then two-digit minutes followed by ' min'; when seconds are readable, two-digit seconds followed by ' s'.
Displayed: 11 h 01 min
